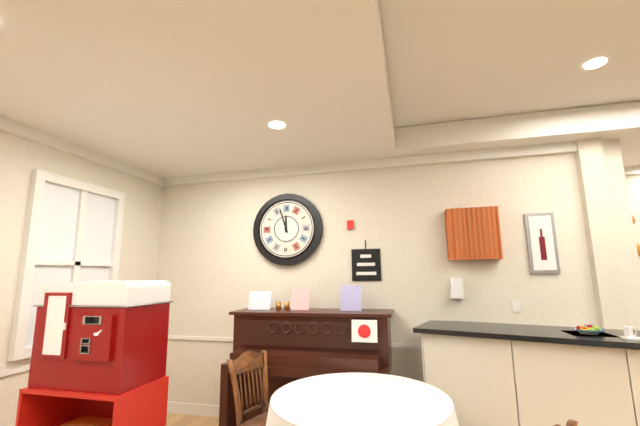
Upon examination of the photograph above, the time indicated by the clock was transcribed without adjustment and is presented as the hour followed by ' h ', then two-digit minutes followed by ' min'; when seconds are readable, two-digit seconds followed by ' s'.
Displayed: 11 h 57 min
